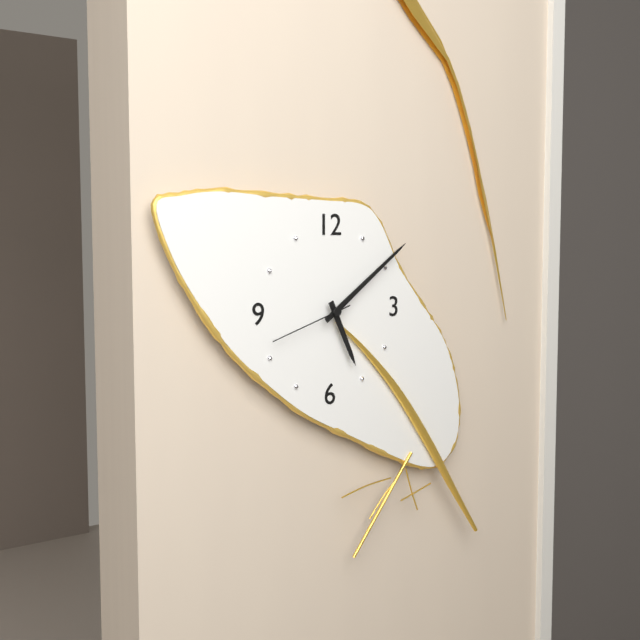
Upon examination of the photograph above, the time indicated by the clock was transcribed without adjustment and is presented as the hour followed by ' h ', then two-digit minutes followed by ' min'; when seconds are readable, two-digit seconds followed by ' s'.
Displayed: 5 h 09 min 42 s
